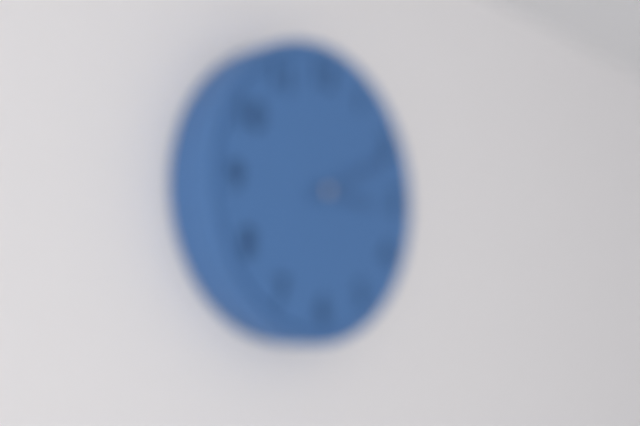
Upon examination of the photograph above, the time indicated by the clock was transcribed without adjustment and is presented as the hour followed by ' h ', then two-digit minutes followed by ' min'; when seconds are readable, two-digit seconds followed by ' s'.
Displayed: 3 h 11 min
